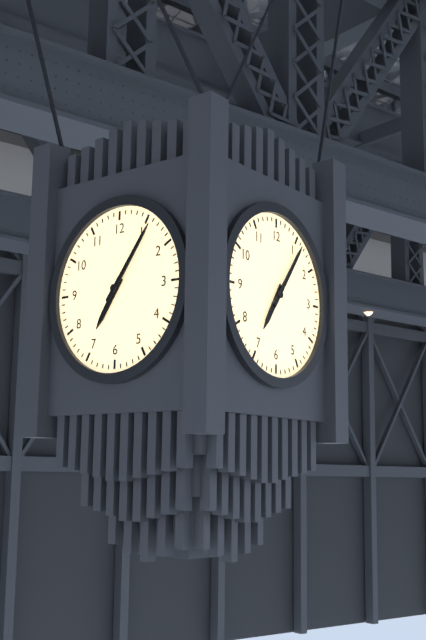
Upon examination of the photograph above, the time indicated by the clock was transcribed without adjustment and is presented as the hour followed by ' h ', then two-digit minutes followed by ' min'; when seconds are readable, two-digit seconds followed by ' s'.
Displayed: 7 h 06 min
